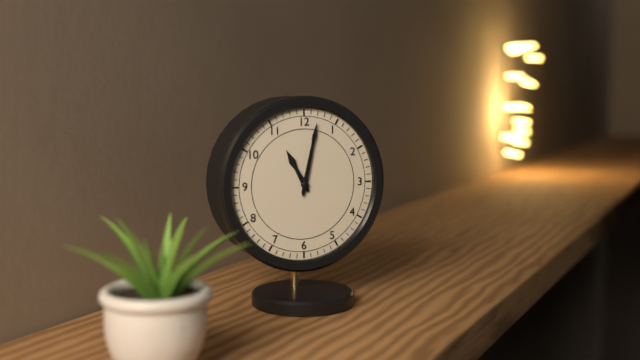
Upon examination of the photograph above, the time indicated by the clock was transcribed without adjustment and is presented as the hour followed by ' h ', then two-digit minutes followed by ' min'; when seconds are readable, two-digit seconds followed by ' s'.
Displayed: 11 h 02 min
